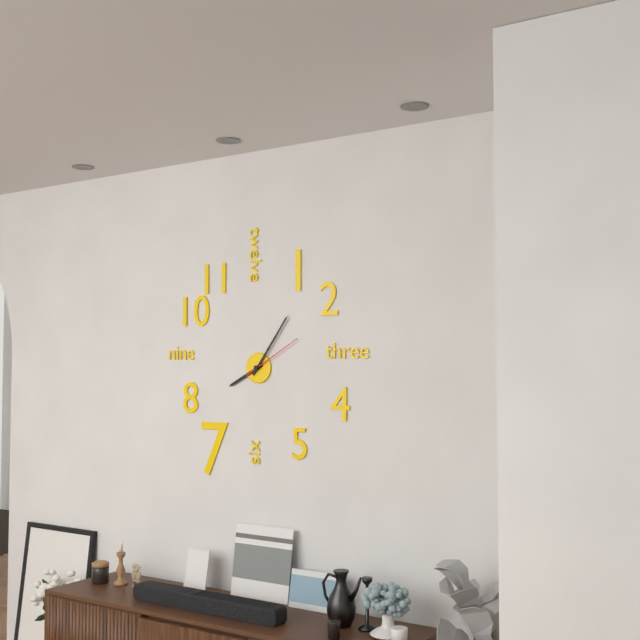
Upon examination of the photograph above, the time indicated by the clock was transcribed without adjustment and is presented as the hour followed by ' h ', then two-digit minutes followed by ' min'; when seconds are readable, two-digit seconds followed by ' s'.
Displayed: 8 h 06 min 10 s
